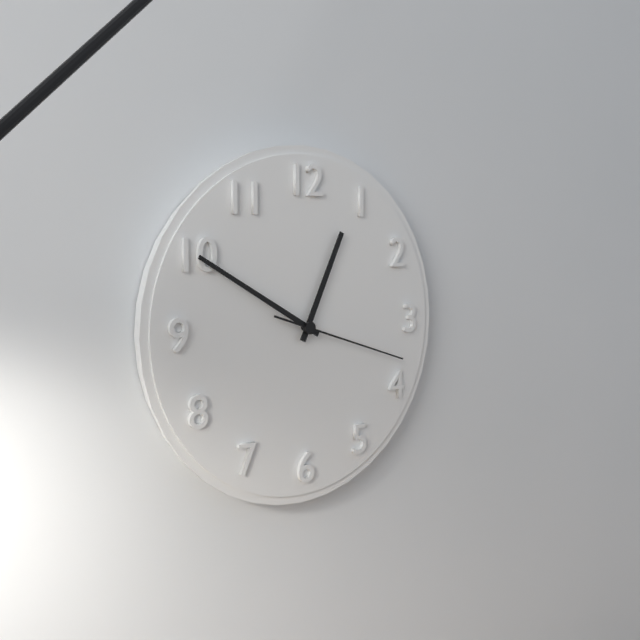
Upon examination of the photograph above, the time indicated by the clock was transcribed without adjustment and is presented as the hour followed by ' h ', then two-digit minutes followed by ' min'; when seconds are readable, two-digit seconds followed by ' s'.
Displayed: 12 h 50 min 18 s
